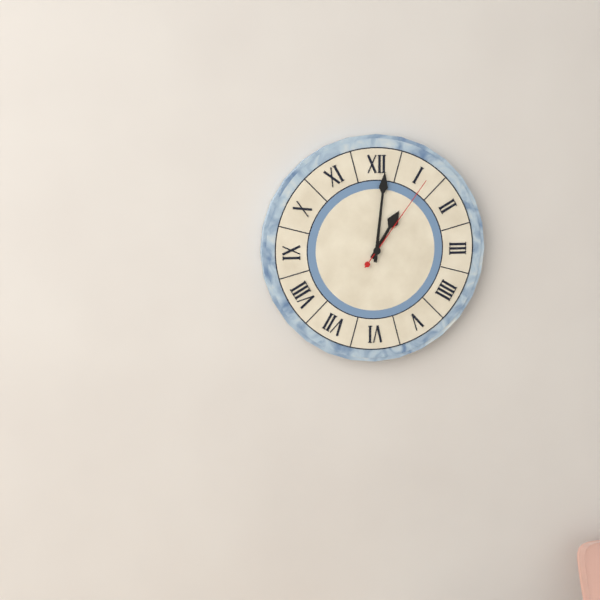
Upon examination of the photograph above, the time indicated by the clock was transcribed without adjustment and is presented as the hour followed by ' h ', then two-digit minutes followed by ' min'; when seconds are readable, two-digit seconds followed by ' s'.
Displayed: 1 h 01 min 06 s
